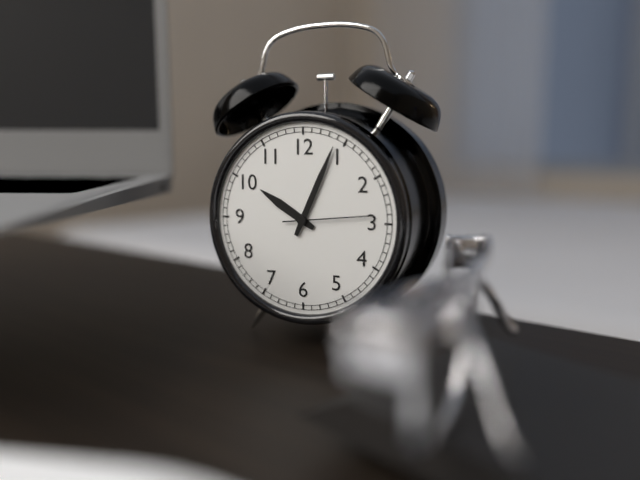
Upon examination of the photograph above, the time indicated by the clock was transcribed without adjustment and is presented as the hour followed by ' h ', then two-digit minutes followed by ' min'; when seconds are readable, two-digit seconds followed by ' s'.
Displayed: 10 h 04 min 14 s
